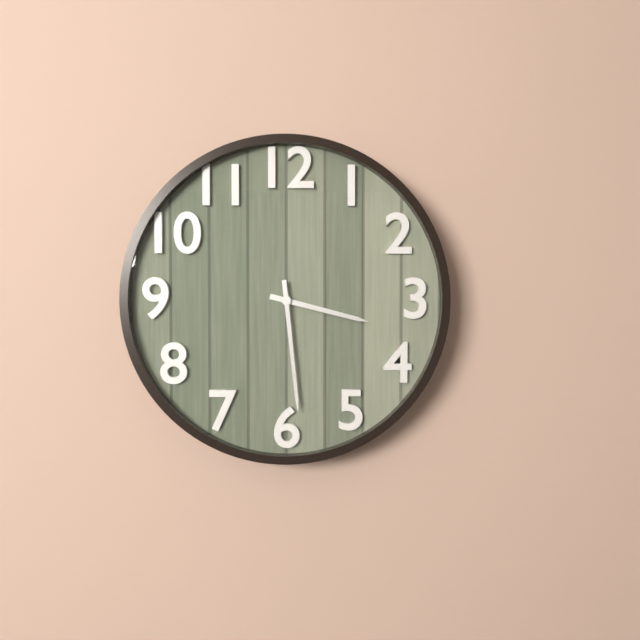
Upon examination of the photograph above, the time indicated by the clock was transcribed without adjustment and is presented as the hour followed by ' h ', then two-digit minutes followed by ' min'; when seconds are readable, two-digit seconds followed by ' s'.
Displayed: 3 h 29 min
